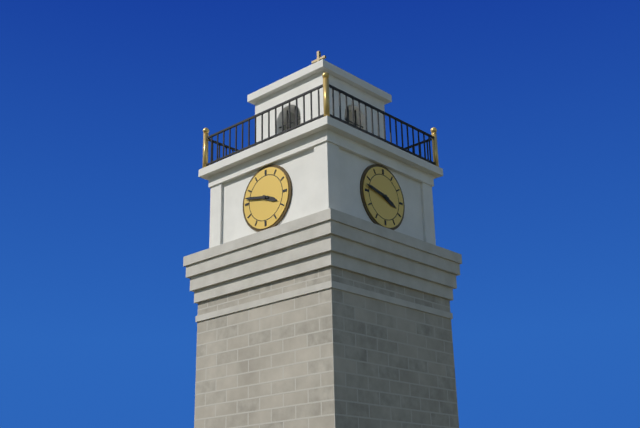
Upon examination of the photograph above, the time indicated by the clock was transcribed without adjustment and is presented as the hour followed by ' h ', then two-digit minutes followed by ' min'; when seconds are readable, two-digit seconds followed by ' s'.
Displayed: 3 h 47 min
